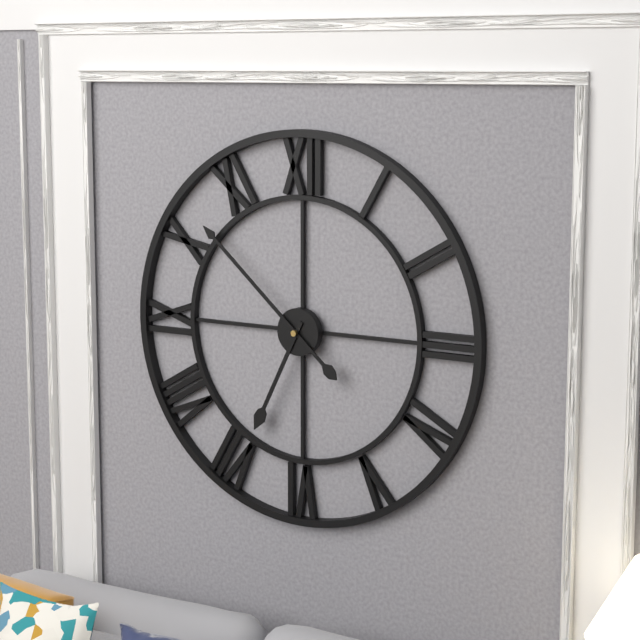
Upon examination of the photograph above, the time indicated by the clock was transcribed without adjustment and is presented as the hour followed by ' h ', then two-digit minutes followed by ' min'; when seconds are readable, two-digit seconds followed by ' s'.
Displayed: 6 h 52 min
